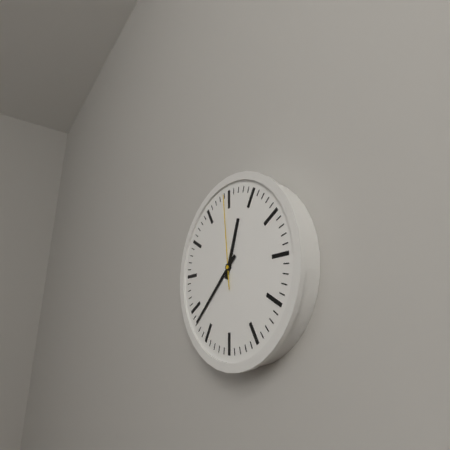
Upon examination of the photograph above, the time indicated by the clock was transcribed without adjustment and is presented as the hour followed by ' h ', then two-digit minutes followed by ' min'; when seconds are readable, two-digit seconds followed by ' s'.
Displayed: 12 h 38 min 59 s
